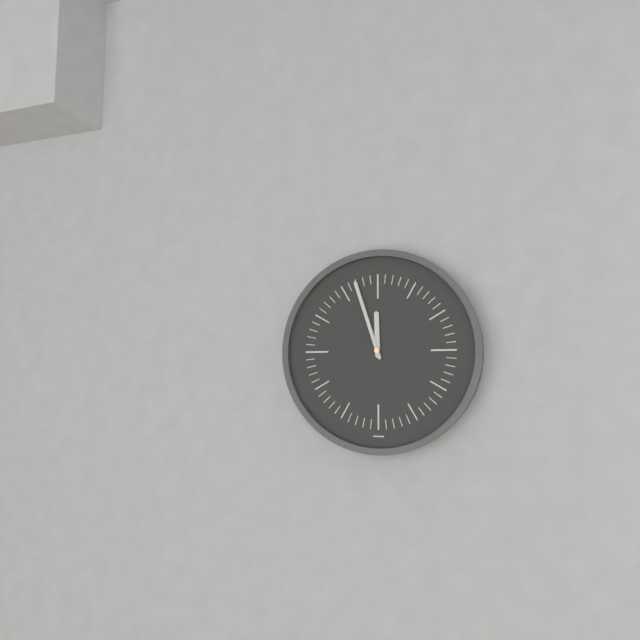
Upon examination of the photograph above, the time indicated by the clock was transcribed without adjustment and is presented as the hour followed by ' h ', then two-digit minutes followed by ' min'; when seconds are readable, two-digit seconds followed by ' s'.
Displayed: 11 h 57 min
